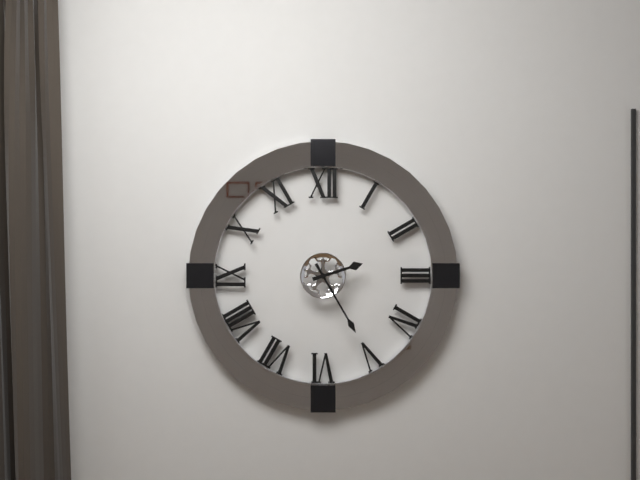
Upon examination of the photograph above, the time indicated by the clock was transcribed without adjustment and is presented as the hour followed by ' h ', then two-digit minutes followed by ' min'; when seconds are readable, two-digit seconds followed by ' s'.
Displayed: 2 h 25 min
